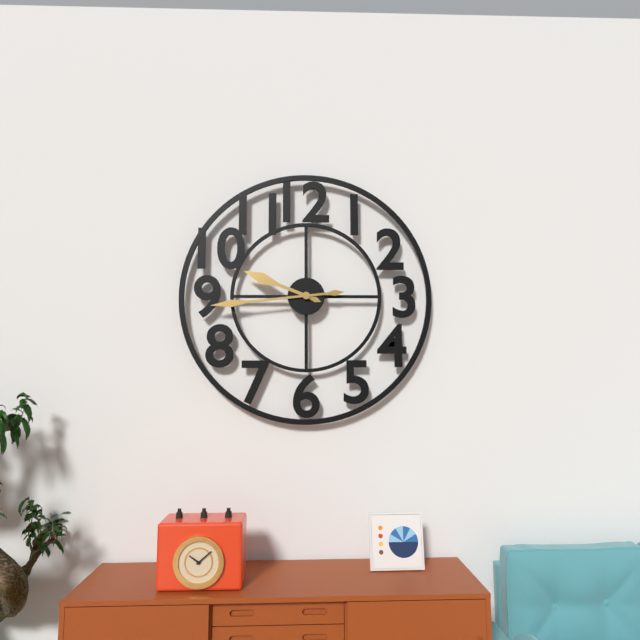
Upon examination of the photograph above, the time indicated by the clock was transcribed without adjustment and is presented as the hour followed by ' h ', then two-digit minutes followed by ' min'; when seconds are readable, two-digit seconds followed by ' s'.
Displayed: 9 h 44 min
